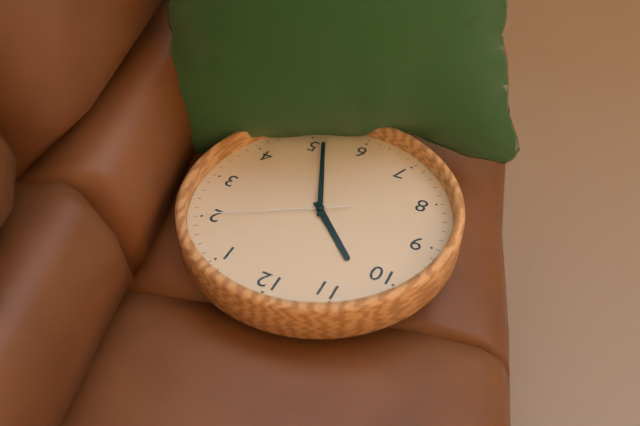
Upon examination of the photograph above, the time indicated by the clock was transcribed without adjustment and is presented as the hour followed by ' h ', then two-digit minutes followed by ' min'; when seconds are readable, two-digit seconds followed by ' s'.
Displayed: 10 h 26 min 10 s
